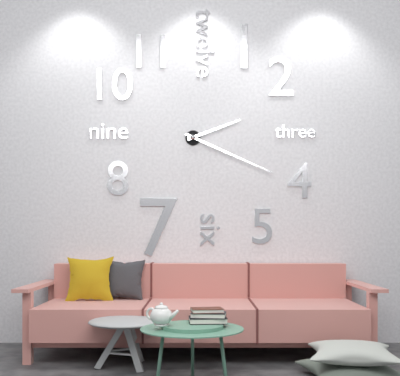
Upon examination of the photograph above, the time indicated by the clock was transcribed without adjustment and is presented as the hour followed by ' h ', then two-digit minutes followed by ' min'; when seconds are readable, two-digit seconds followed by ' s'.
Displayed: 2 h 19 min
